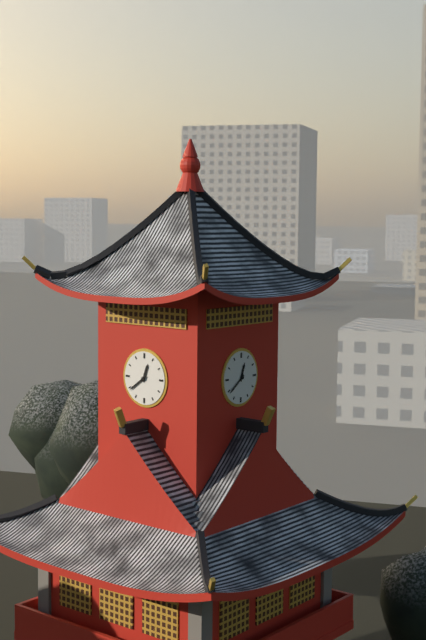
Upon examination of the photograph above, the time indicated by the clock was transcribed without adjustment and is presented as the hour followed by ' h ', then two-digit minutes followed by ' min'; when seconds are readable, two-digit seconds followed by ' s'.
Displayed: 12 h 39 min
